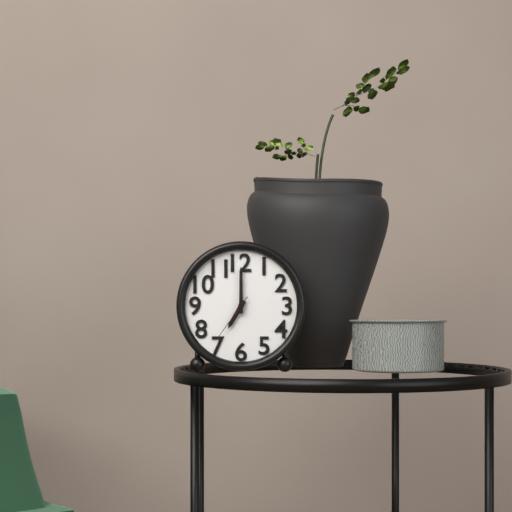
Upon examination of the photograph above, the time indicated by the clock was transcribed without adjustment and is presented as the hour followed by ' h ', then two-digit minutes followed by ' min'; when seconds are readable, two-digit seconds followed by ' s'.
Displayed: 7 h 00 min 36 s
